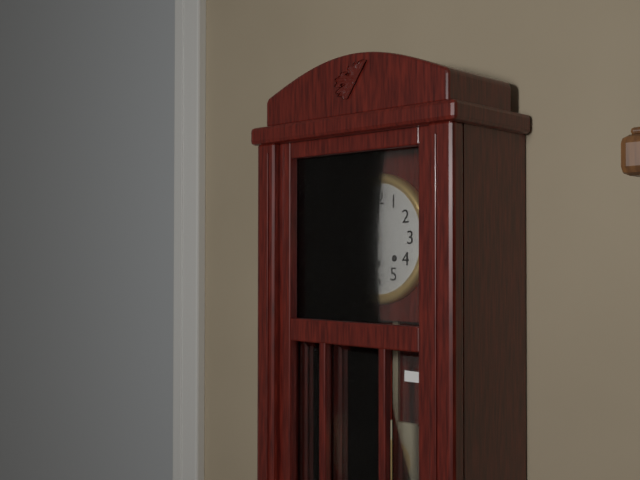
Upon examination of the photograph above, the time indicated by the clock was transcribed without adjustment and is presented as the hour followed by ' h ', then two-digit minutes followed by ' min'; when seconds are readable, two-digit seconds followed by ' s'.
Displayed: 5 h 59 min
